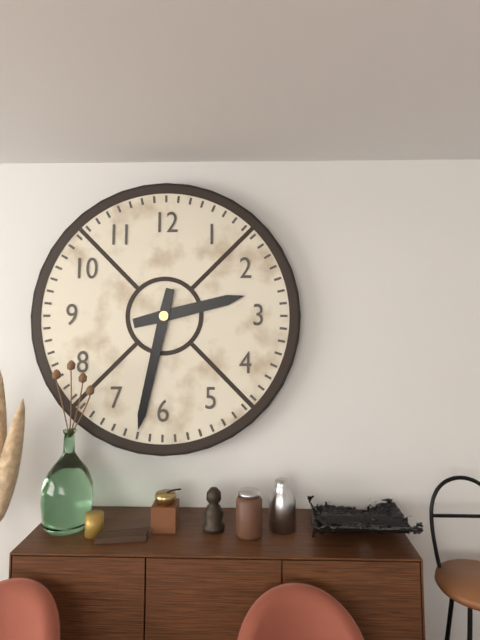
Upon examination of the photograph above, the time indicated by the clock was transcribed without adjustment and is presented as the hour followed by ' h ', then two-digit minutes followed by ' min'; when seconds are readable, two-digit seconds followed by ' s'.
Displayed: 2 h 32 min
